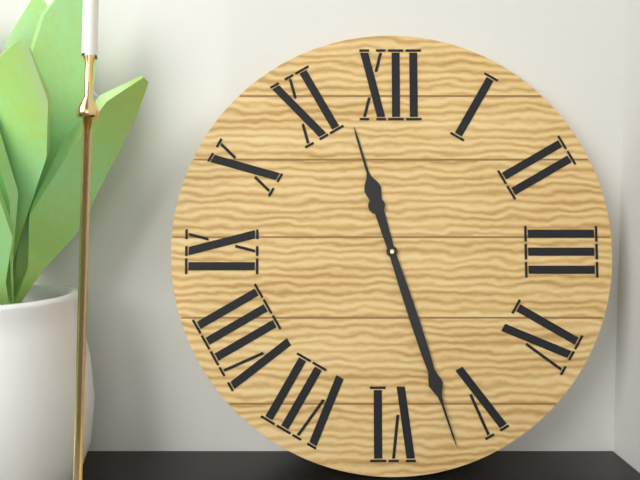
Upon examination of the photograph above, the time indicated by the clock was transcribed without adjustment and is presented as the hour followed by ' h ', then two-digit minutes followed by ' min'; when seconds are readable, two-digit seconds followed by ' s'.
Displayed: 11 h 27 min
